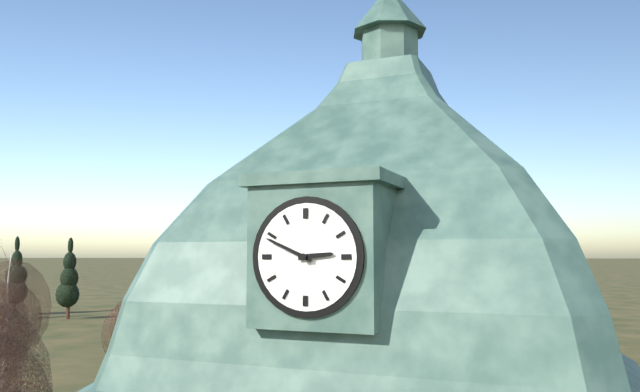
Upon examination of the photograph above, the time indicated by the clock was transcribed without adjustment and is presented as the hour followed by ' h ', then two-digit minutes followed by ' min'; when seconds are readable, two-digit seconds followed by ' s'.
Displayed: 2 h 49 min
